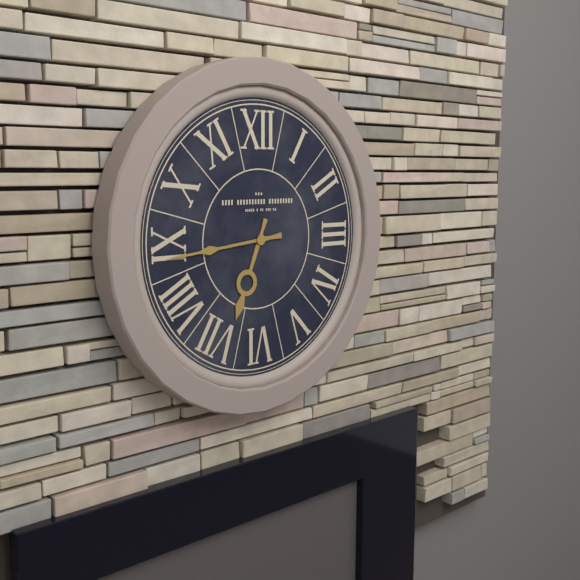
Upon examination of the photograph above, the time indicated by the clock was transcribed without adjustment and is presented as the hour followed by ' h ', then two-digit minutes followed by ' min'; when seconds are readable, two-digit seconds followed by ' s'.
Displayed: 6 h 44 min
